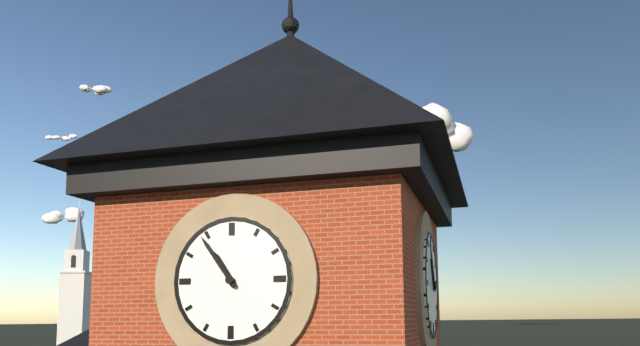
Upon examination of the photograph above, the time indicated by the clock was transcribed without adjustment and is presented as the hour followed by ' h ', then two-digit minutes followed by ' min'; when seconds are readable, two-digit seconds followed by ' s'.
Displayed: 10 h 54 min
